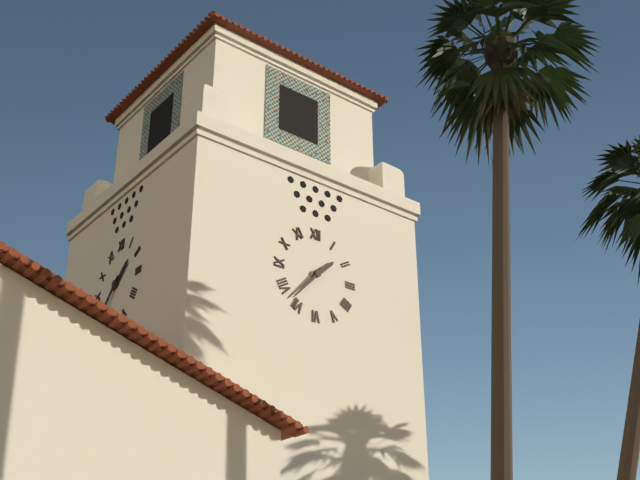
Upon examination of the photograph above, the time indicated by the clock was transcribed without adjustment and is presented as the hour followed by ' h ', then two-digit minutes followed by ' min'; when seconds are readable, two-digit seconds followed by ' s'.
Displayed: 1 h 37 min
